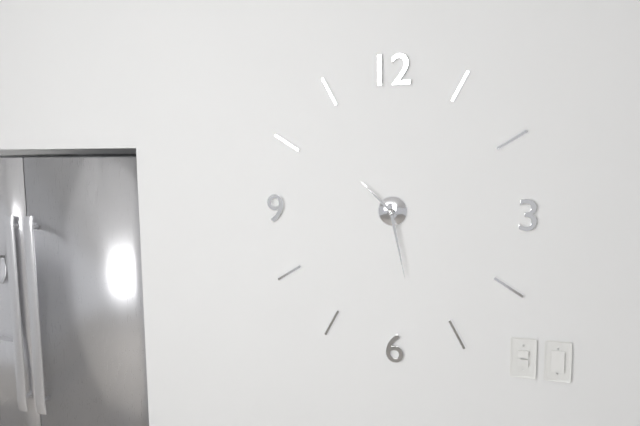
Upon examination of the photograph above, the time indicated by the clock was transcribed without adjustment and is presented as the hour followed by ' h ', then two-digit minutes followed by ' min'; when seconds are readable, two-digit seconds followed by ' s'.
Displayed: 10 h 28 min
